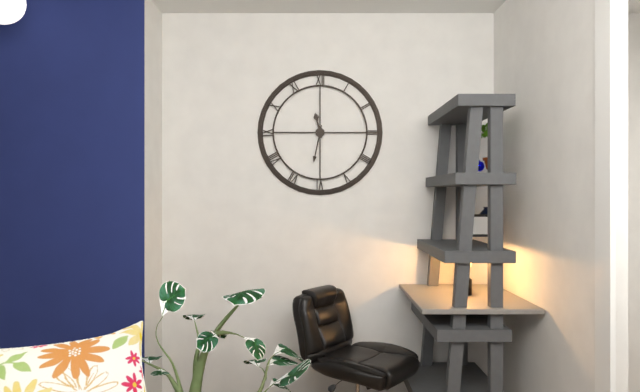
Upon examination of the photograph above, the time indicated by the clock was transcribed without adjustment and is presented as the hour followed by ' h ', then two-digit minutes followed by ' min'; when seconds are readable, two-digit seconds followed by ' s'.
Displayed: 11 h 32 min
